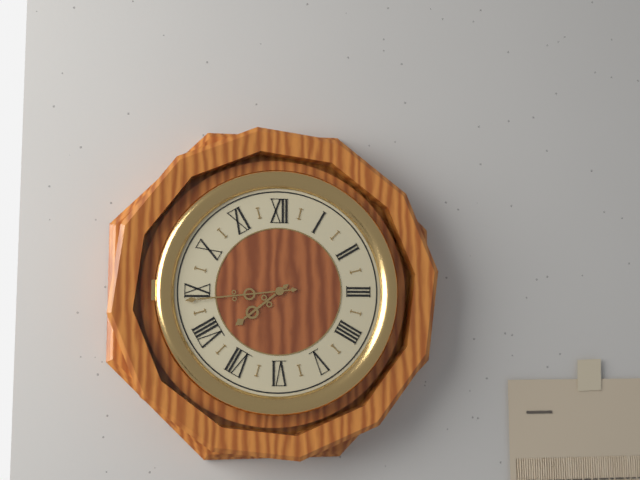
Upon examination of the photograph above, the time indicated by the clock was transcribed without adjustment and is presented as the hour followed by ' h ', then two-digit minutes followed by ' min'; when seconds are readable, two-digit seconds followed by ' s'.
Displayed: 7 h 44 min
